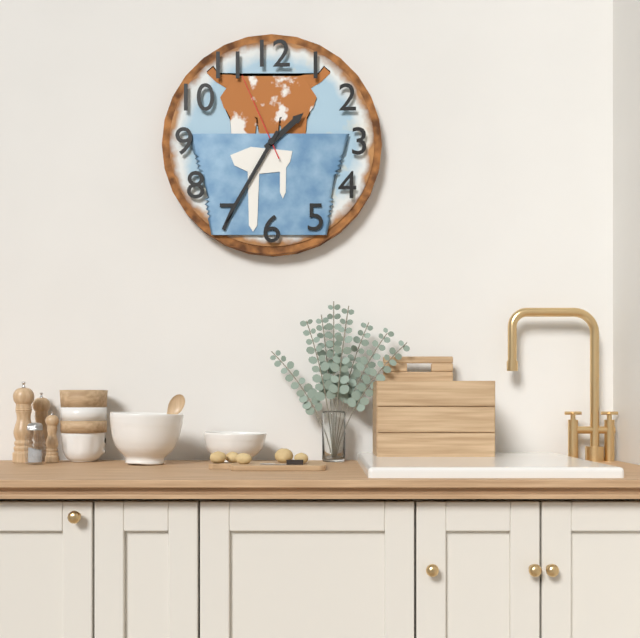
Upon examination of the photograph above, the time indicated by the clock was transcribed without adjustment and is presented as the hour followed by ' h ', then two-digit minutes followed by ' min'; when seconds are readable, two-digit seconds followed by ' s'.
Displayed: 1 h 35 min 56 s
